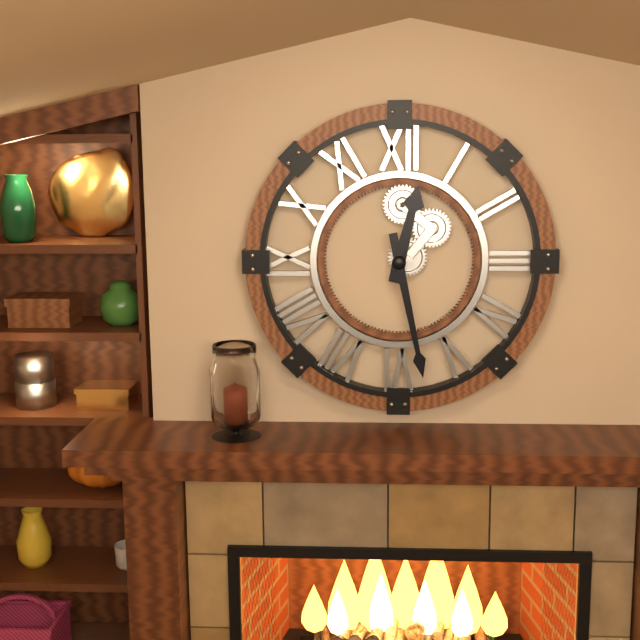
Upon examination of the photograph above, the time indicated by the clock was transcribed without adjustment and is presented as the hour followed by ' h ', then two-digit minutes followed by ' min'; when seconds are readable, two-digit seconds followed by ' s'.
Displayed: 12 h 28 min
